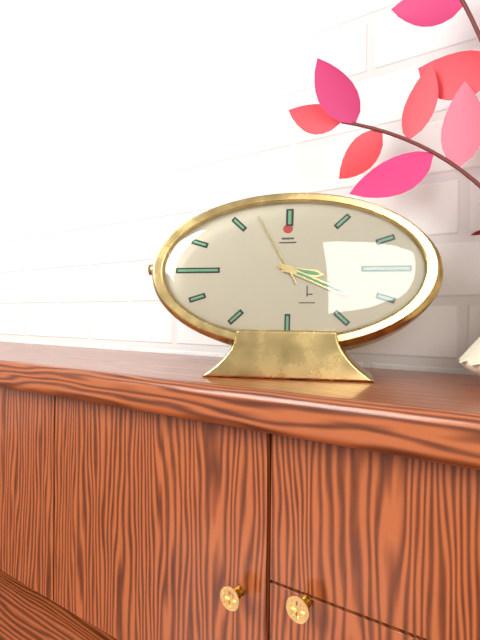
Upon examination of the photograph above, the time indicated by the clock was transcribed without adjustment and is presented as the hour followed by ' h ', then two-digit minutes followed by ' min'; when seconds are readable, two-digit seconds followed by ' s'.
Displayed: 3 h 19 min 55 s
